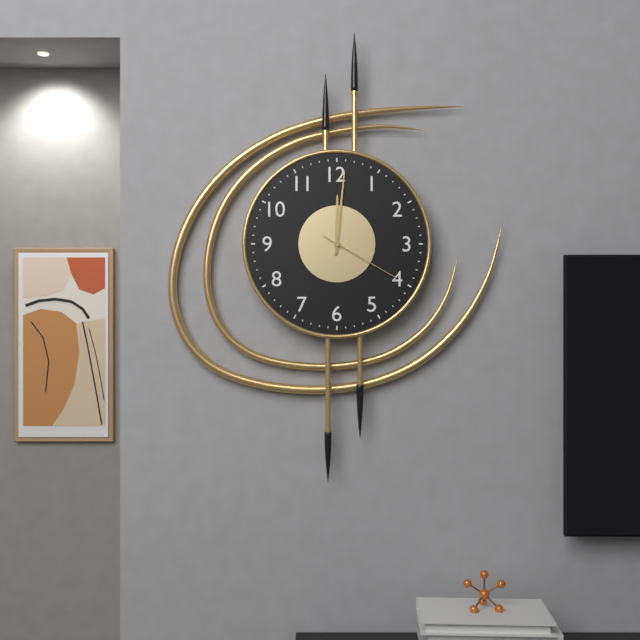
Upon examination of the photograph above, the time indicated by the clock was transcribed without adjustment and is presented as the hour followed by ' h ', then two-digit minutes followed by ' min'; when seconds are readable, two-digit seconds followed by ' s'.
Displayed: 12 h 01 min 20 s
